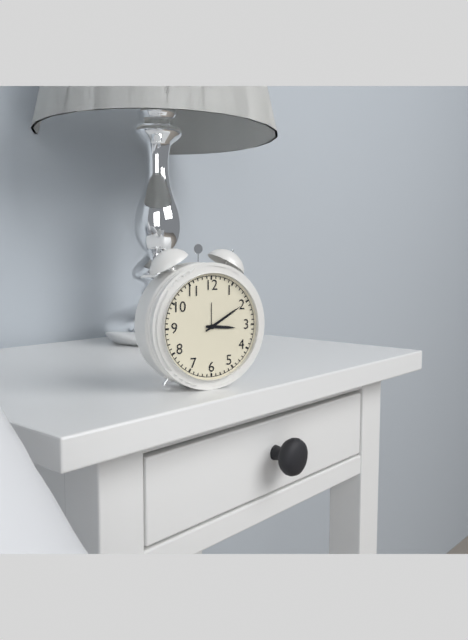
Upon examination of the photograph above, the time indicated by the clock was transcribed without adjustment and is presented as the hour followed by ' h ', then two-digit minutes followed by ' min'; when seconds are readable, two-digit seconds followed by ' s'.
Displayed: 3 h 10 min
